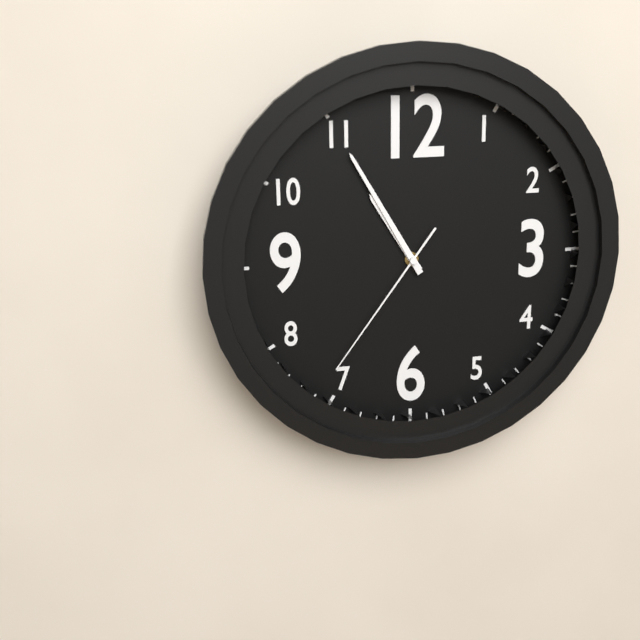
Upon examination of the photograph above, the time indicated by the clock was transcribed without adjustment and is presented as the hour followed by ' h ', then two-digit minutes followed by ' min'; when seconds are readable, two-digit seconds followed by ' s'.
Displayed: 10 h 55 min 36 s
